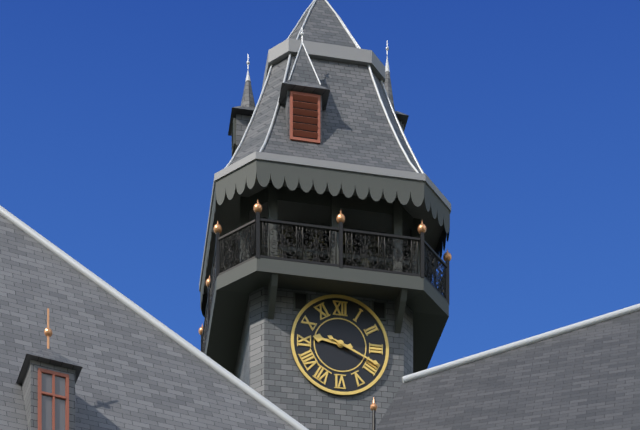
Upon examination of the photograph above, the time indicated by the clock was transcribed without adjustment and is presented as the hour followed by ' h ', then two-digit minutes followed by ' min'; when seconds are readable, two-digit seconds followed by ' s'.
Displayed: 9 h 19 min
